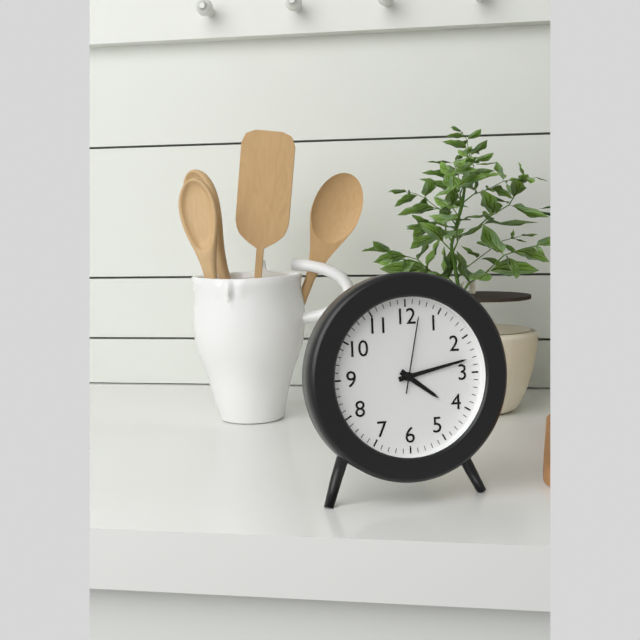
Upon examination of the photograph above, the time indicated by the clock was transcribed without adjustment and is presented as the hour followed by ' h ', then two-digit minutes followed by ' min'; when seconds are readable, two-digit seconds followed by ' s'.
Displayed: 4 h 13 min 02 s
